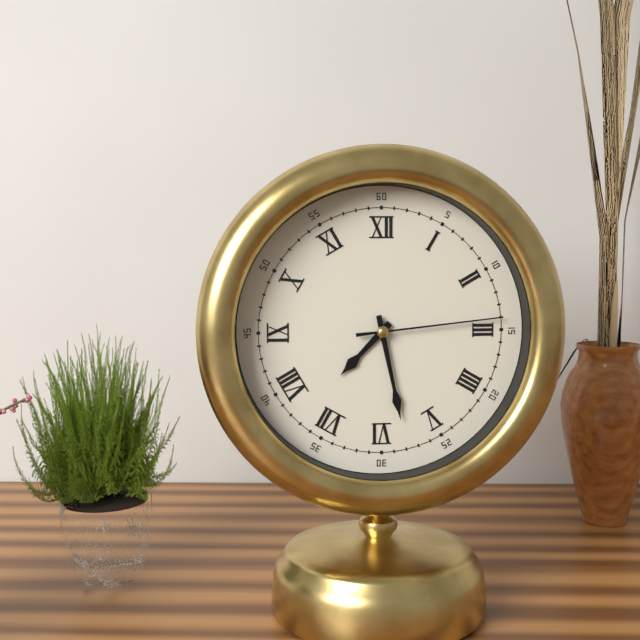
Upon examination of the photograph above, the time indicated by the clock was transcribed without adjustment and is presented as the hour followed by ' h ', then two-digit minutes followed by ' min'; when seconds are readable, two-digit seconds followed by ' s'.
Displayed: 7 h 28 min 14 s
